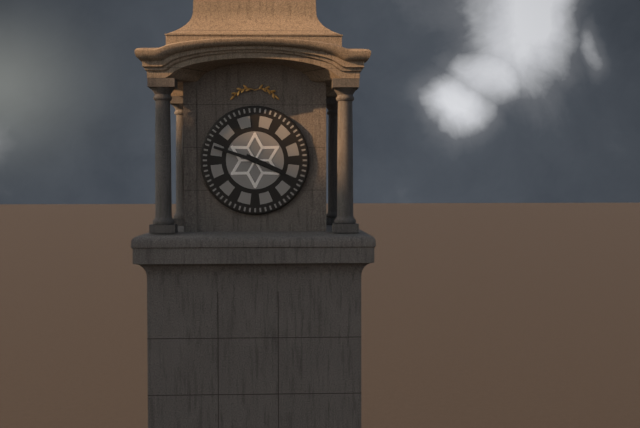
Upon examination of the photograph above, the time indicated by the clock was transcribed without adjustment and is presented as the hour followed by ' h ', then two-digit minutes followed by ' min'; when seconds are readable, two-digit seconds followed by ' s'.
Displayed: 3 h 48 min
